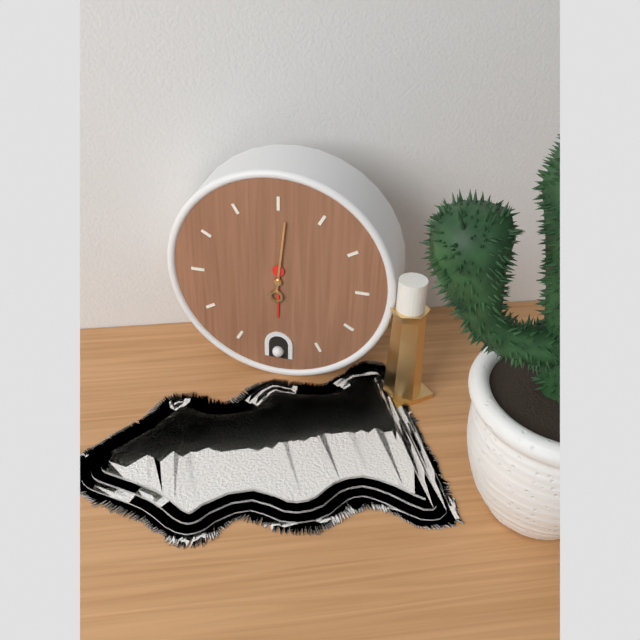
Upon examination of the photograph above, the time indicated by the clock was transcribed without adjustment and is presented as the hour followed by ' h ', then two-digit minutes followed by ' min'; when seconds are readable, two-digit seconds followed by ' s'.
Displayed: 6 h 01 min
